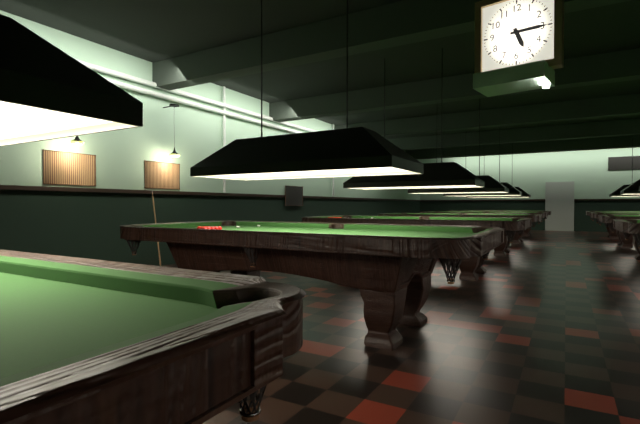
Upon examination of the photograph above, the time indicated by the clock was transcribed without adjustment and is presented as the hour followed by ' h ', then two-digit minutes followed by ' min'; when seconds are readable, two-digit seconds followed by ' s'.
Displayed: 5 h 15 min
